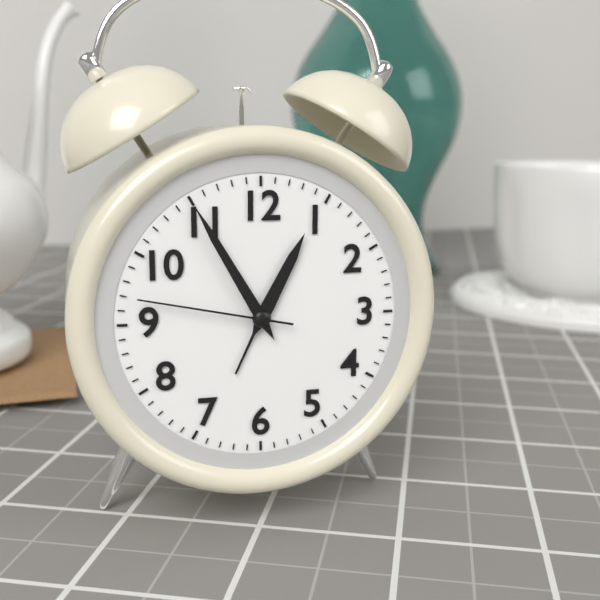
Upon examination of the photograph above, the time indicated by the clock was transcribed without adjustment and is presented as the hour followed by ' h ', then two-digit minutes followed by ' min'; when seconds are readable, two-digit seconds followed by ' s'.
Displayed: 12 h 55 min 47 s
